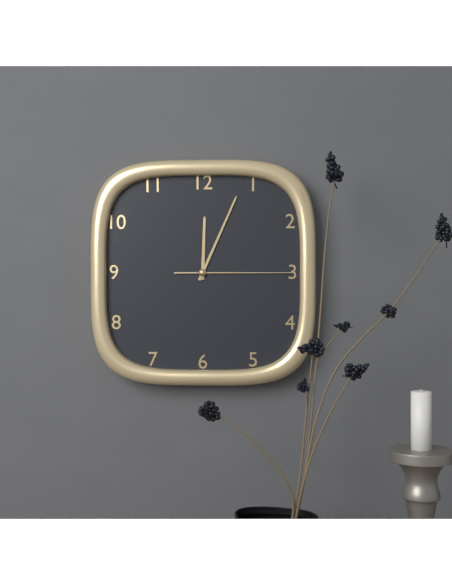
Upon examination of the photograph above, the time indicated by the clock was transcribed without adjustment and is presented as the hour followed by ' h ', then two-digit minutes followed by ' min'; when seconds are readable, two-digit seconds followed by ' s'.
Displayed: 12 h 04 min 15 s
